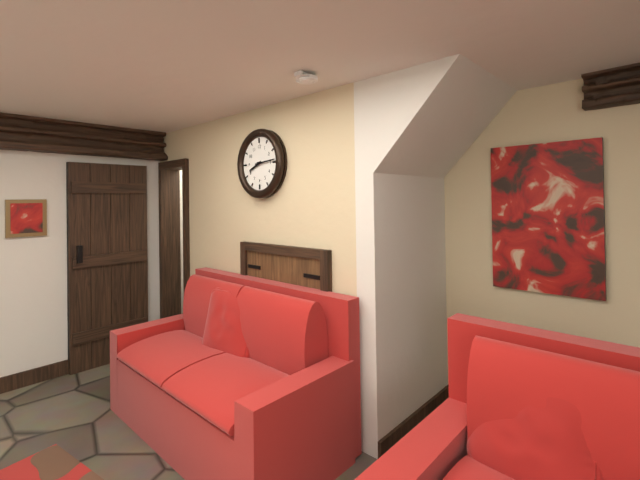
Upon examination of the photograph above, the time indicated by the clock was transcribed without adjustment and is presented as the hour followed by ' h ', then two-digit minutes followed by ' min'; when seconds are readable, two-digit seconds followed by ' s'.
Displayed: 8 h 14 min
